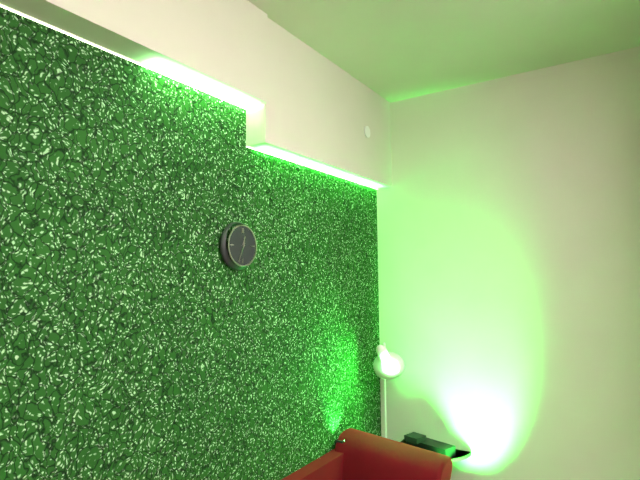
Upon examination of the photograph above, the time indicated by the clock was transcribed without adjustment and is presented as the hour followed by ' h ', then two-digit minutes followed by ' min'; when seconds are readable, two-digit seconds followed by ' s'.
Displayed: 12 h 34 min
